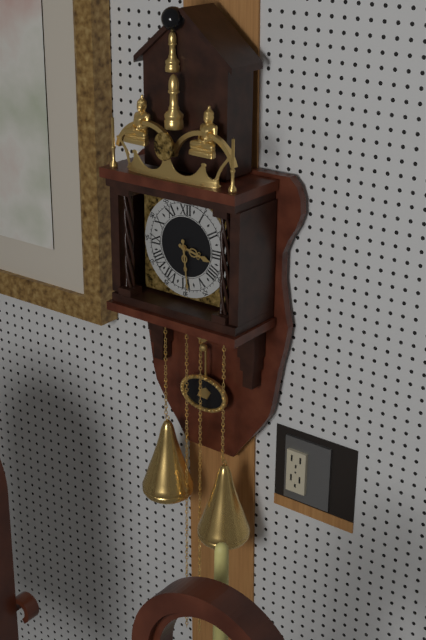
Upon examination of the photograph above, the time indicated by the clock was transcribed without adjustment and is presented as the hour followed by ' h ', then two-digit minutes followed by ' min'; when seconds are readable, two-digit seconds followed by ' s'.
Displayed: 3 h 29 min
